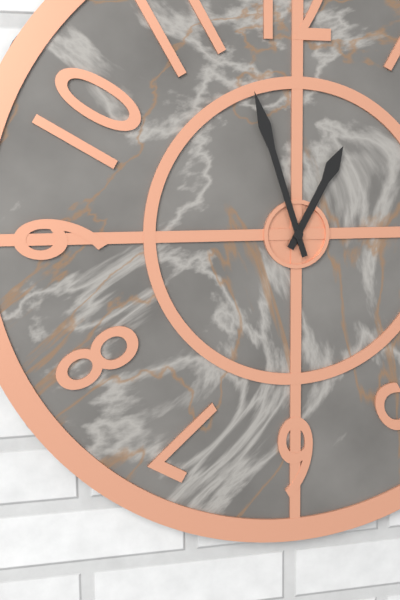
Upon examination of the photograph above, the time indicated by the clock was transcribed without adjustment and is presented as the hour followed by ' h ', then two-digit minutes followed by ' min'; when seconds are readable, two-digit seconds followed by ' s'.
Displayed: 12 h 57 min
